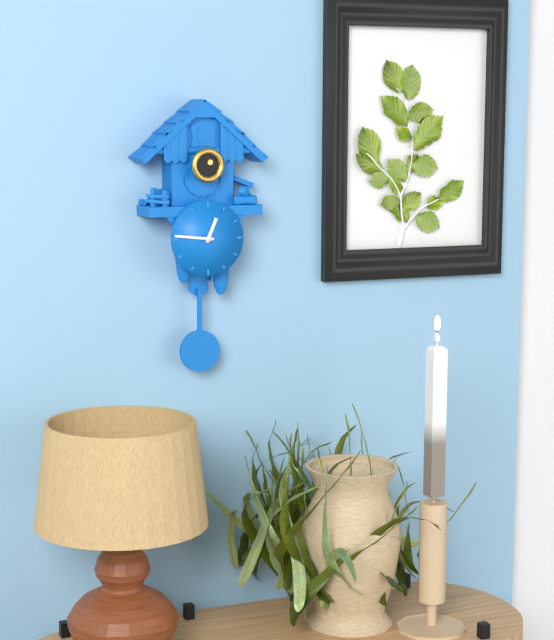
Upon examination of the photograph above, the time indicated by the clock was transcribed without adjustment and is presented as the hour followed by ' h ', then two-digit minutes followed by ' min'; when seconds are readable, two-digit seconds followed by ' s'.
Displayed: 12 h 46 min
